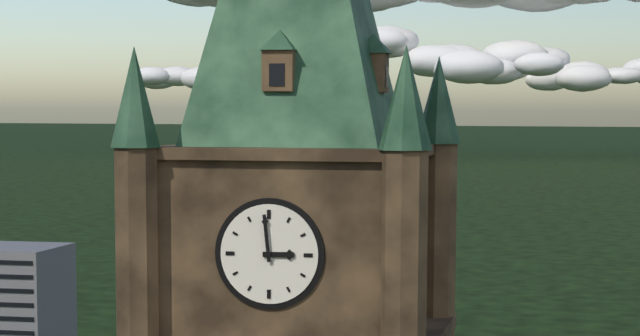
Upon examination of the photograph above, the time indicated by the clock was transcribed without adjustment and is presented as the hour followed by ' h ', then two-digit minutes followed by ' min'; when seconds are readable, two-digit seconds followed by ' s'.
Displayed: 2 h 59 min
